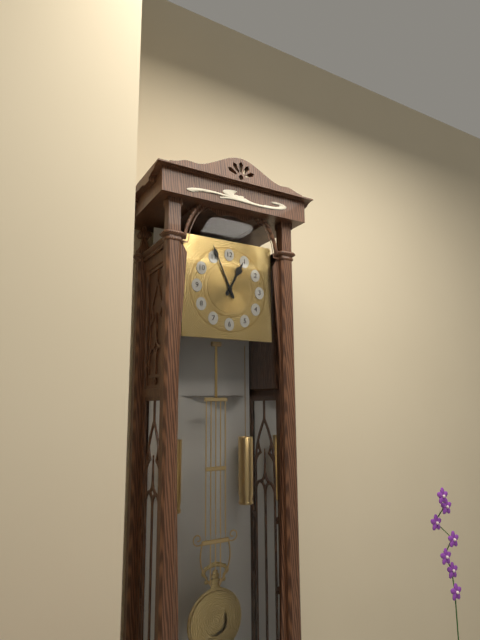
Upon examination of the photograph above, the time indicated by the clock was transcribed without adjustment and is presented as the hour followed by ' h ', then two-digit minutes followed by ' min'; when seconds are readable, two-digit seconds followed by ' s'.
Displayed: 12 h 56 min
